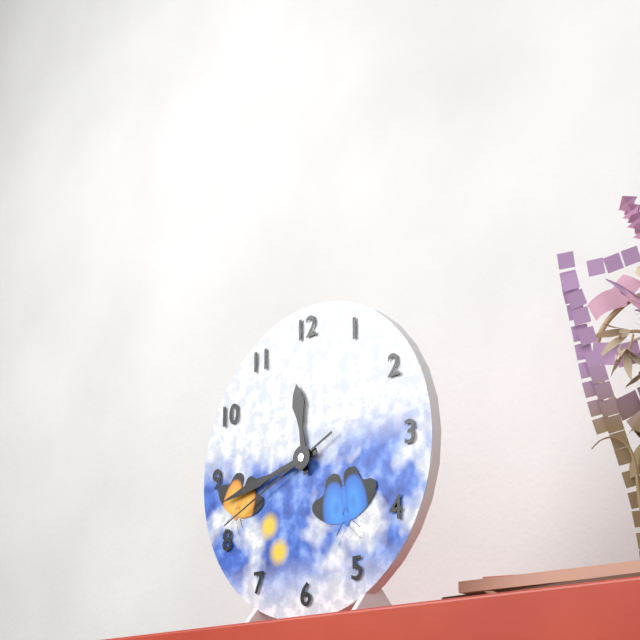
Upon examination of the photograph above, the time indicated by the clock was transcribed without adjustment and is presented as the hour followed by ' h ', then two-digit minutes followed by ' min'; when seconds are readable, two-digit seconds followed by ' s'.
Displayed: 11 h 43 min 41 s
